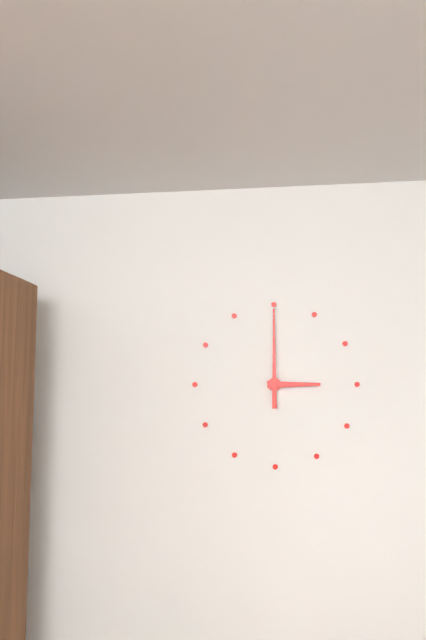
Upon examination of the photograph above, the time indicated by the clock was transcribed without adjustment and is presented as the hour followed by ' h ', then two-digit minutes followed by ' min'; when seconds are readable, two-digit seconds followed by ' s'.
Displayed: 3 h 00 min
